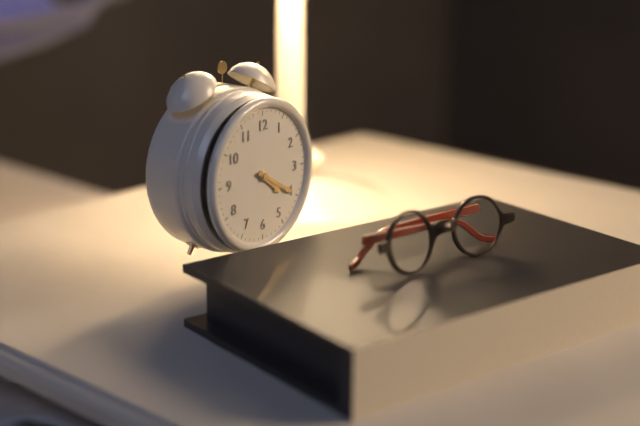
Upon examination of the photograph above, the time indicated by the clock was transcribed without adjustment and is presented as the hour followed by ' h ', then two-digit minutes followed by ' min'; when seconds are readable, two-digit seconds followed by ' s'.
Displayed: 4 h 20 min
